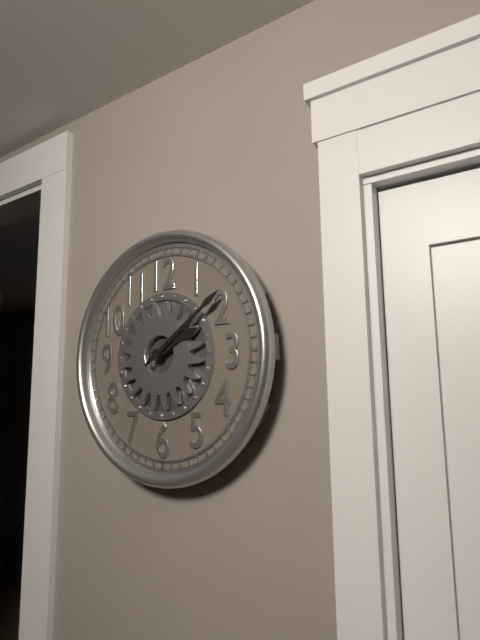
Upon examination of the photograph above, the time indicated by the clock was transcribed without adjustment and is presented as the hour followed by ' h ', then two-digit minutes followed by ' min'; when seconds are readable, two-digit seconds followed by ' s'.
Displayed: 2 h 09 min
